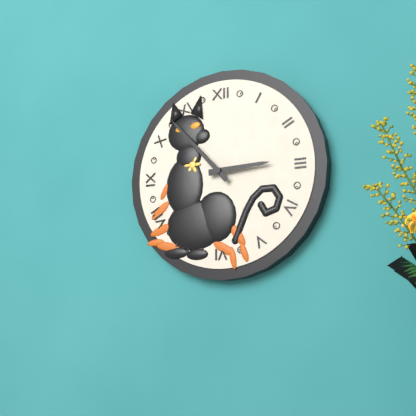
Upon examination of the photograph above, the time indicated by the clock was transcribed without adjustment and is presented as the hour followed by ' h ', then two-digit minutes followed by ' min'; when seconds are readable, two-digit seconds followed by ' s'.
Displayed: 2 h 53 min
